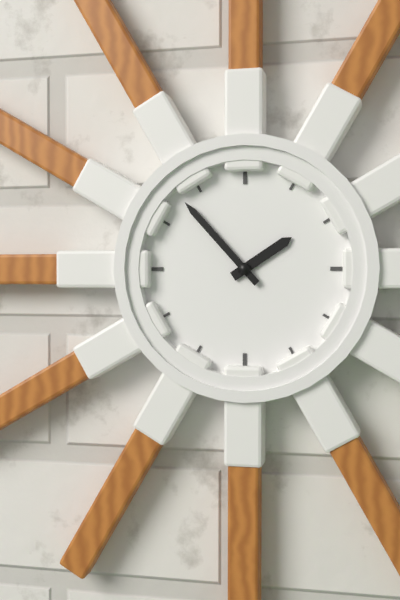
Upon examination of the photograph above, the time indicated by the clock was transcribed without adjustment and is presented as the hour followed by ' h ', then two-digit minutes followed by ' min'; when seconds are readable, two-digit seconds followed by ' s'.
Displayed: 1 h 53 min
